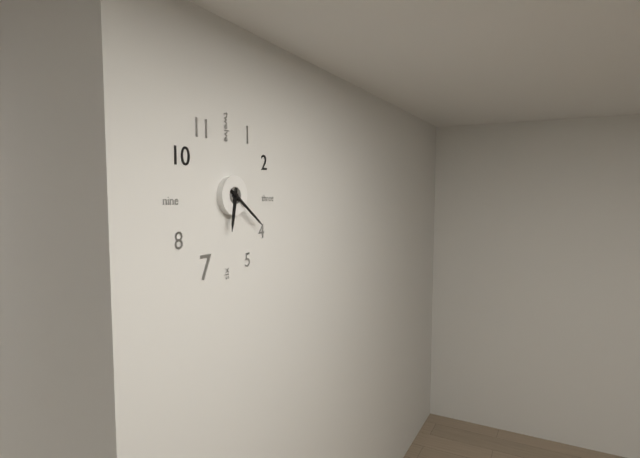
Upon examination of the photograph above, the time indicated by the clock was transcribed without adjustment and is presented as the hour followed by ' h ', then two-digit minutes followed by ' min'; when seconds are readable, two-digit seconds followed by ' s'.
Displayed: 6 h 21 min
